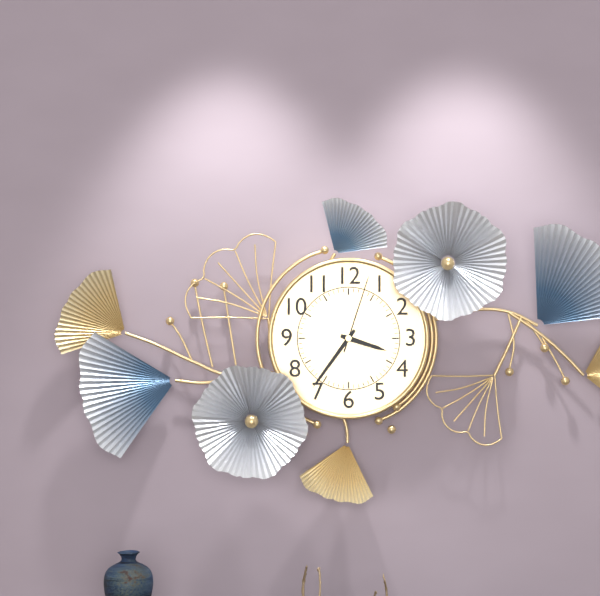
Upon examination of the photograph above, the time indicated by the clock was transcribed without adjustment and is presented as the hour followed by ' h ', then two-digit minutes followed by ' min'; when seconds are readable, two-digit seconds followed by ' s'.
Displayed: 3 h 36 min 03 s
